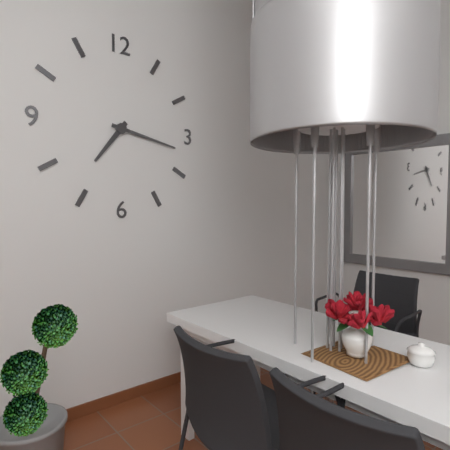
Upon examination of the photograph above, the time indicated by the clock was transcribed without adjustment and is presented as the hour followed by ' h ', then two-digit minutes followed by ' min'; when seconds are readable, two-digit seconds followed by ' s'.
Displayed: 7 h 17 min
